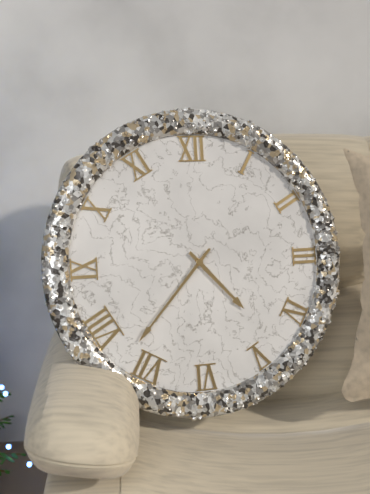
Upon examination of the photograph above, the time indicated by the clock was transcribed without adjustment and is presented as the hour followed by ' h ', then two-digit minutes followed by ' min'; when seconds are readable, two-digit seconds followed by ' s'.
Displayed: 4 h 37 min
